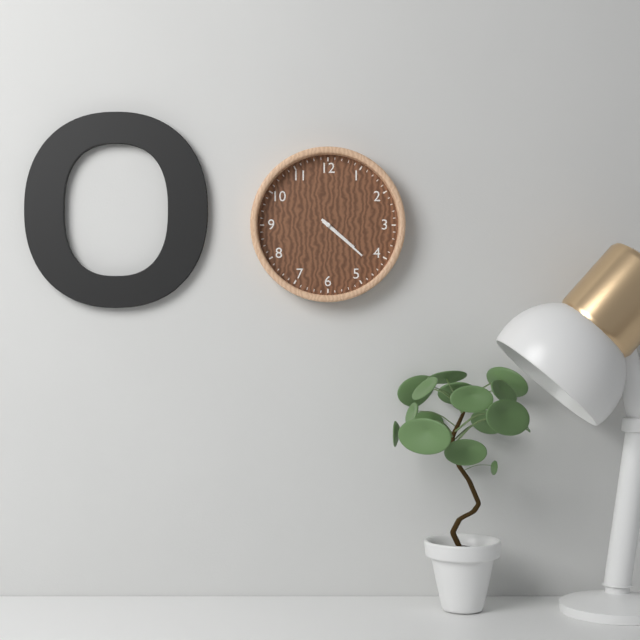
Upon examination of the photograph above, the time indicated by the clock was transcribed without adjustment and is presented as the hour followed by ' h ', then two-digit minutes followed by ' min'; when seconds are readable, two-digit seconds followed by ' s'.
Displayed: 4 h 22 min
